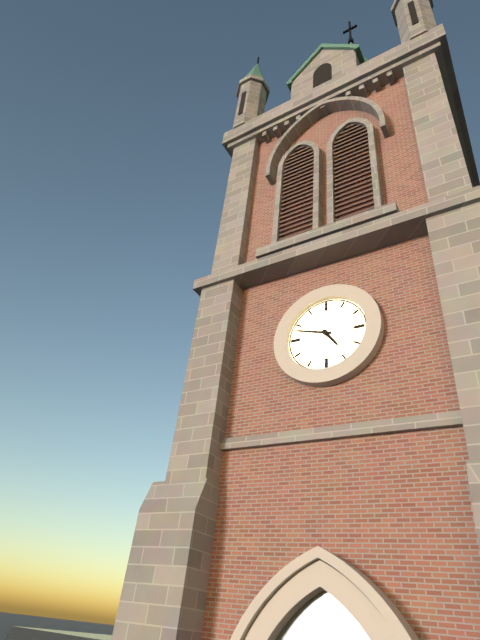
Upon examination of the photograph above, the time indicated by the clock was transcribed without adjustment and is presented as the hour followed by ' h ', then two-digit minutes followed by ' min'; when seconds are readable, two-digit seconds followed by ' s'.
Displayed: 4 h 48 min
